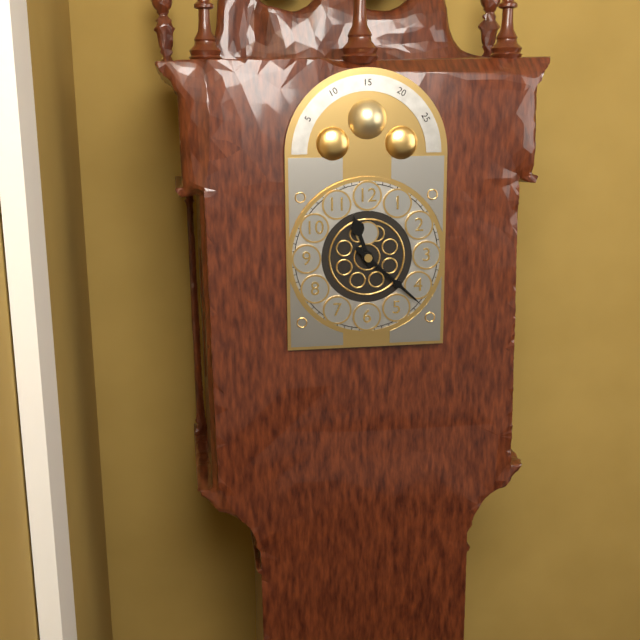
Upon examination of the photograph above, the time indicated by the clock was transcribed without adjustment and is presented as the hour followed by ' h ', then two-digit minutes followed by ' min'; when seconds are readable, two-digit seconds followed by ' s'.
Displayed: 11 h 22 min
